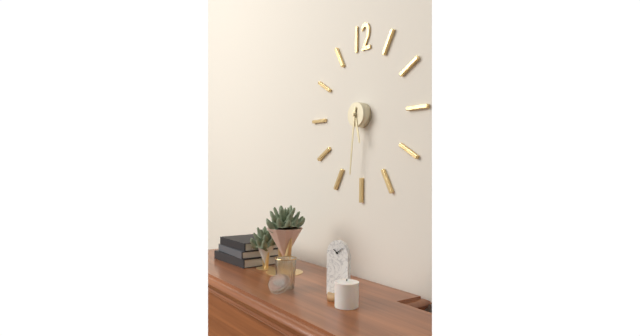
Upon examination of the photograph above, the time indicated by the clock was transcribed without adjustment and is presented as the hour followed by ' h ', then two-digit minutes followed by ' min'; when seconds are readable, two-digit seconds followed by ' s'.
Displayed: 5 h 31 min
